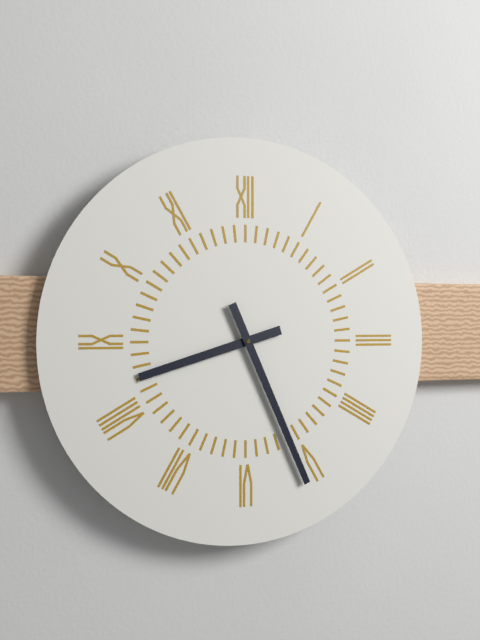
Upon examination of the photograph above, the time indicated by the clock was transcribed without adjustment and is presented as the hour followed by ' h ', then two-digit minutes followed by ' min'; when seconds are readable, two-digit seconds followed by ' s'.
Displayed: 8 h 26 min
